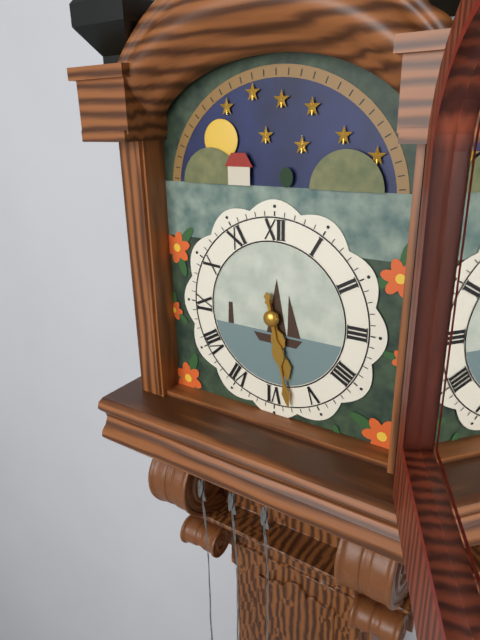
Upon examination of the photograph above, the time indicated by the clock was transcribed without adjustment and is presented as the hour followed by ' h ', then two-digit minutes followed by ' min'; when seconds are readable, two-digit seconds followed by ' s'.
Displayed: 5 h 28 min
